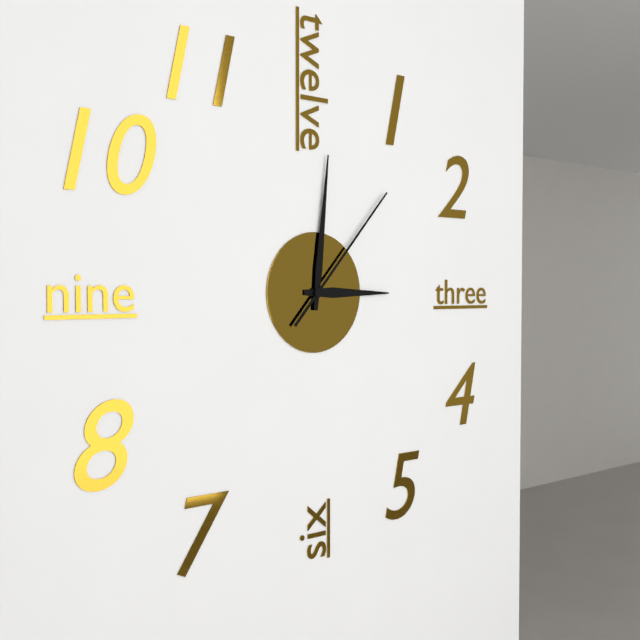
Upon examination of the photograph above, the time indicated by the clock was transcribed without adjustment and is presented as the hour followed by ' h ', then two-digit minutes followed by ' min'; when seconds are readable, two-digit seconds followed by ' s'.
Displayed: 3 h 01 min 07 s
